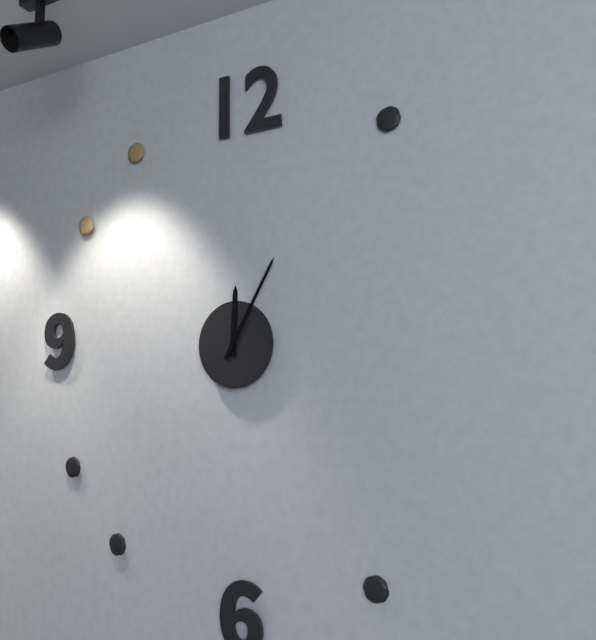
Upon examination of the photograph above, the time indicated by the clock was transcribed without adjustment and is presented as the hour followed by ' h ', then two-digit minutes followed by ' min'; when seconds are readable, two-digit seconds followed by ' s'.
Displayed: 12 h 05 min
